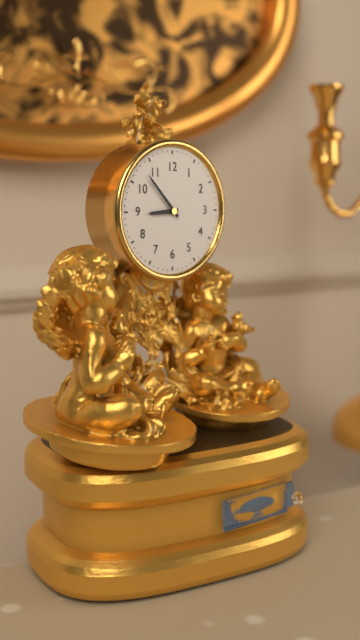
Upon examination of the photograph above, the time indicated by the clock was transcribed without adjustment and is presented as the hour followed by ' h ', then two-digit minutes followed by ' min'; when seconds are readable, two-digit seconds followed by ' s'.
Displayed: 8 h 53 min
